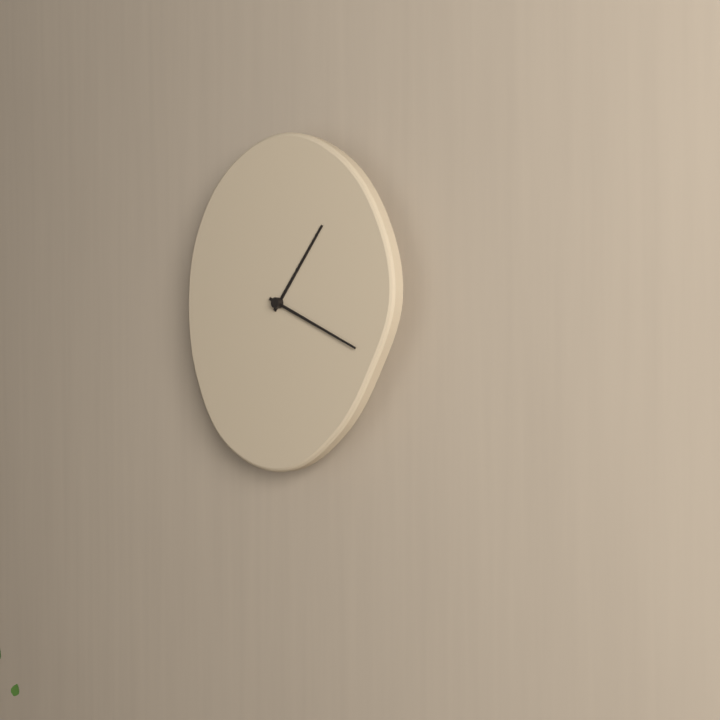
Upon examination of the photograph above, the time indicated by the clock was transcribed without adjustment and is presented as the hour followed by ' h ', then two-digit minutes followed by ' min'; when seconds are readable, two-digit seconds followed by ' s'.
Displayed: 1 h 19 min
